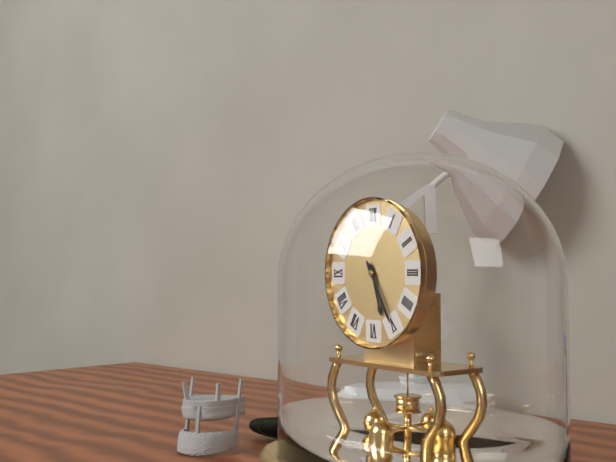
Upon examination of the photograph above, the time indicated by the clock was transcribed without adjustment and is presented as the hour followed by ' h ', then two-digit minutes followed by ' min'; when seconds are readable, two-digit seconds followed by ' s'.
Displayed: 5 h 25 min
